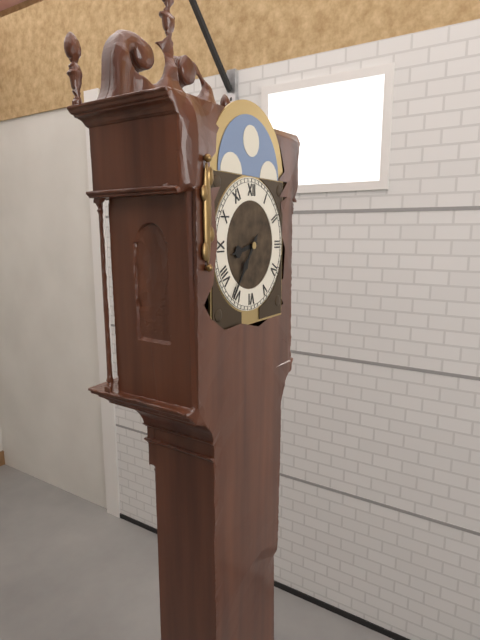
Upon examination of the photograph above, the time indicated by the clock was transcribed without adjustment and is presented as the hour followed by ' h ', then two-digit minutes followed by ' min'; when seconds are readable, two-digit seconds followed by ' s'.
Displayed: 8 h 36 min
